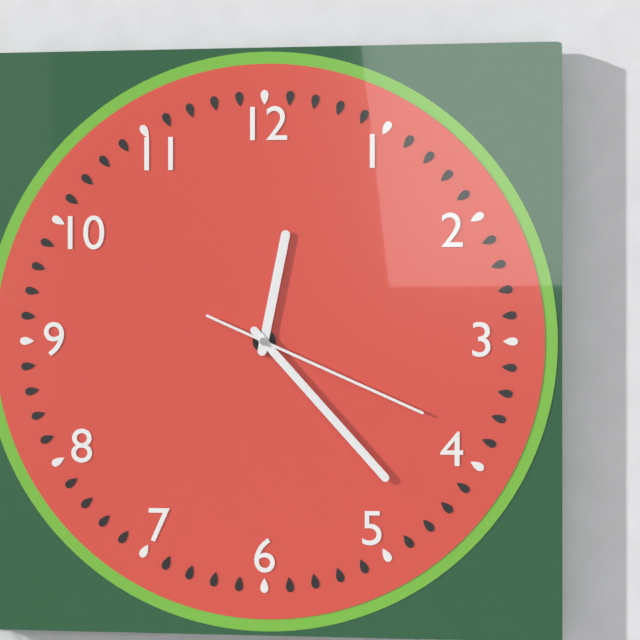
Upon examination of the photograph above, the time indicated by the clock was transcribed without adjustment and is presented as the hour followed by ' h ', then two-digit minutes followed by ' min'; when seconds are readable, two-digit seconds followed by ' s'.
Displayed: 12 h 23 min 19 s
